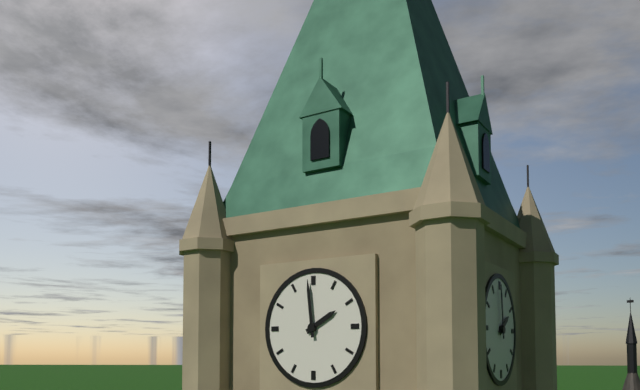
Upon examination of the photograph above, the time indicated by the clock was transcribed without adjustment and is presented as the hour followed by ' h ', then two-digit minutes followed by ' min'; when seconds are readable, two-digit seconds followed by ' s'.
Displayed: 1 h 59 min
